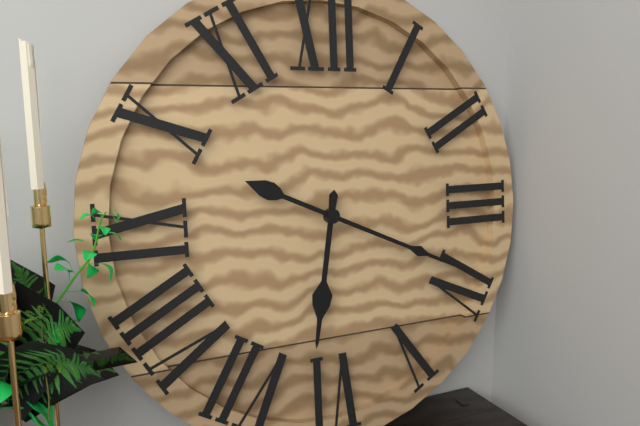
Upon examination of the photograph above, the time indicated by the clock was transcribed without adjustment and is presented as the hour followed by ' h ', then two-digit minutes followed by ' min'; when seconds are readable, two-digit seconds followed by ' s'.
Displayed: 6 h 19 min
